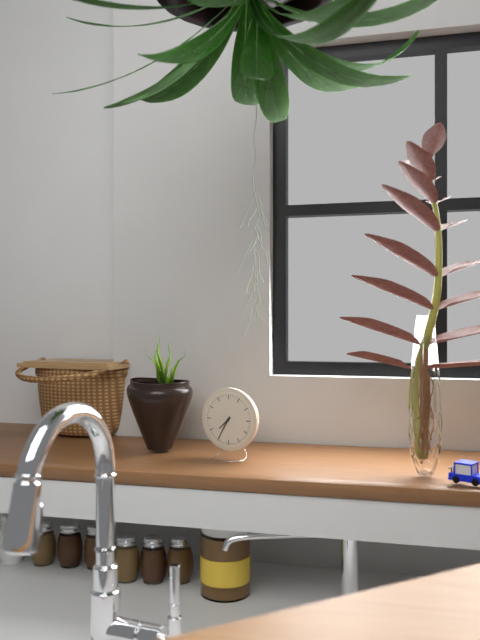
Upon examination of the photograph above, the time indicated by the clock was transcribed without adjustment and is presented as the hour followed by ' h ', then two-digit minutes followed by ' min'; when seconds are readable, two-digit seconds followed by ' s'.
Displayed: 7 h 35 min
